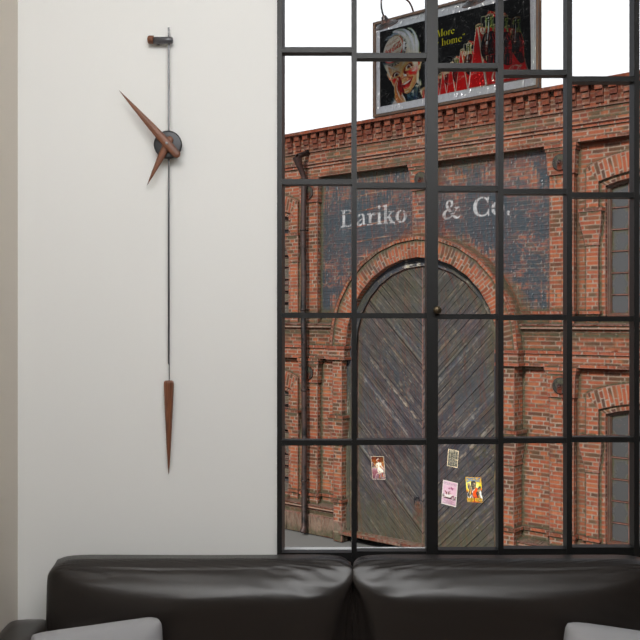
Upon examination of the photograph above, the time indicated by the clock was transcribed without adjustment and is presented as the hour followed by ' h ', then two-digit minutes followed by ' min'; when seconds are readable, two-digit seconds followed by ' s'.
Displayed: 6 h 53 min
